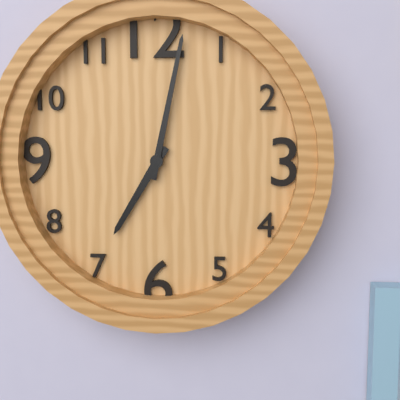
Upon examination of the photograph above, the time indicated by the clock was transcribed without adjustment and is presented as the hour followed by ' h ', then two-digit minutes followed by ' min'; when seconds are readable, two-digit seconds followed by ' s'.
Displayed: 7 h 02 min
